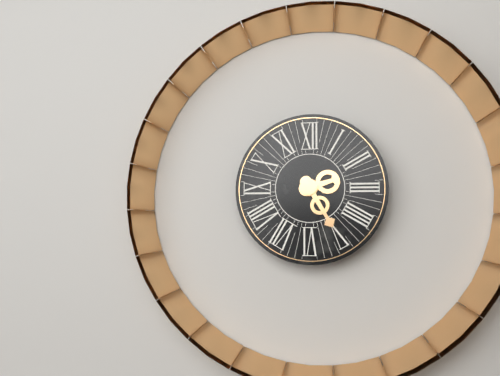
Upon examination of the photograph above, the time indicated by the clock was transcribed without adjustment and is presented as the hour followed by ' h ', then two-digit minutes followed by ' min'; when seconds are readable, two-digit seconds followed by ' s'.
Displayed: 2 h 25 min
